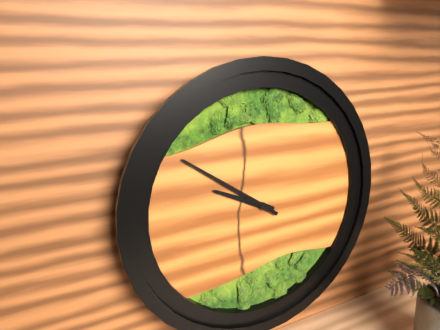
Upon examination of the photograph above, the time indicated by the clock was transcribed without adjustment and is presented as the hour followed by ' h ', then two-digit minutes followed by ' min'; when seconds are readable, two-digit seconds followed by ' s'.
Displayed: 9 h 51 min
